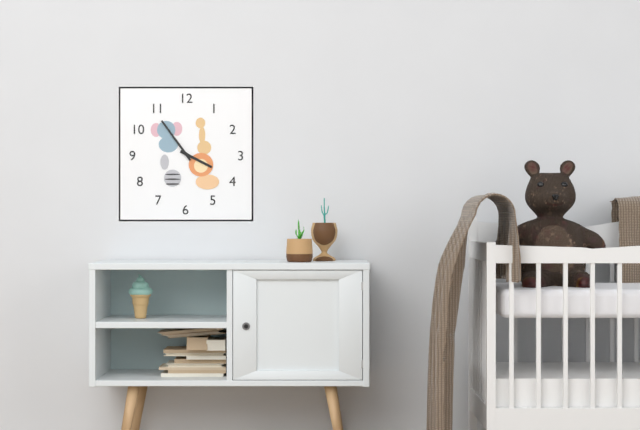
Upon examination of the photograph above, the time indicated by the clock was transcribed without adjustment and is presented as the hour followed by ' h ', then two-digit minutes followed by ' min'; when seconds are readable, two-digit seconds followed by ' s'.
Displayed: 3 h 54 min
